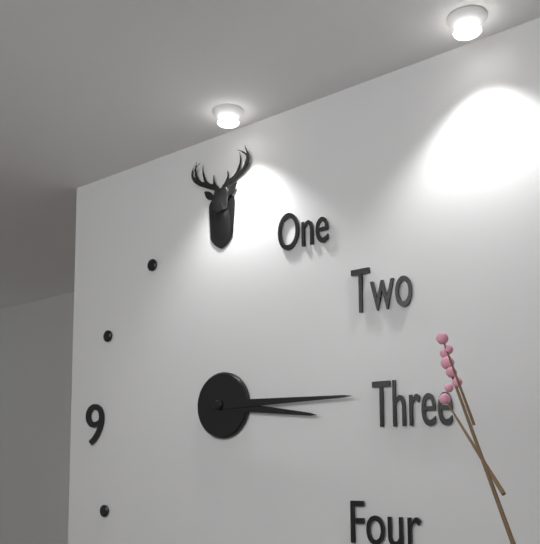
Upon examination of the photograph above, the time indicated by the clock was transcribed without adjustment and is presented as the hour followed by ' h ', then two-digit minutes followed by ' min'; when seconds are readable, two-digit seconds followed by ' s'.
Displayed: 3 h 15 min
